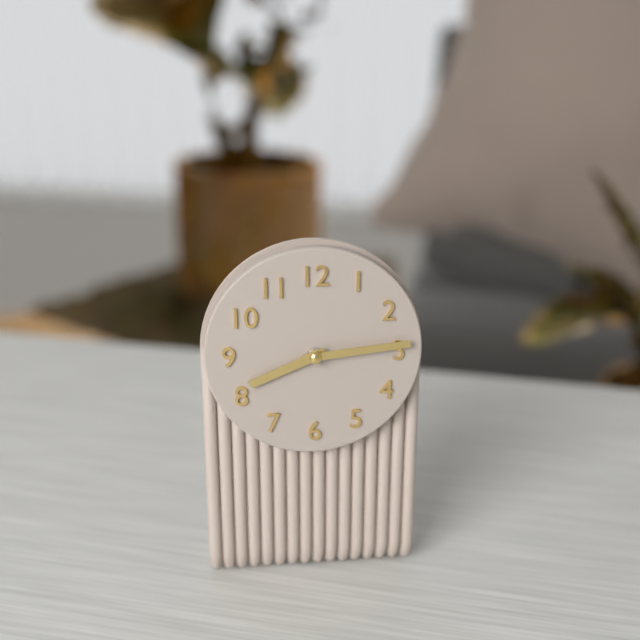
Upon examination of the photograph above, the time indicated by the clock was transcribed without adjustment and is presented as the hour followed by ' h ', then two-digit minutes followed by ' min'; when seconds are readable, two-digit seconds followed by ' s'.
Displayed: 8 h 14 min
